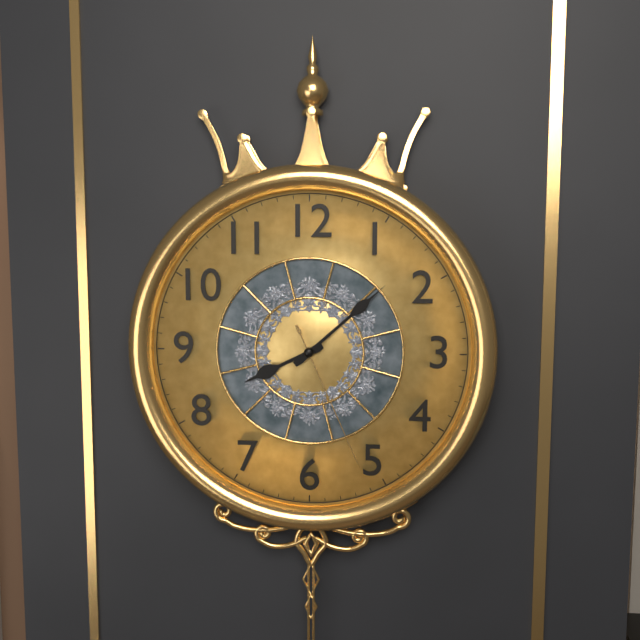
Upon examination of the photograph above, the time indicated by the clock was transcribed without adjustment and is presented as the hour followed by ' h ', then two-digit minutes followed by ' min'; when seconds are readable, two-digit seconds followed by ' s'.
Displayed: 8 h 08 min 26 s
